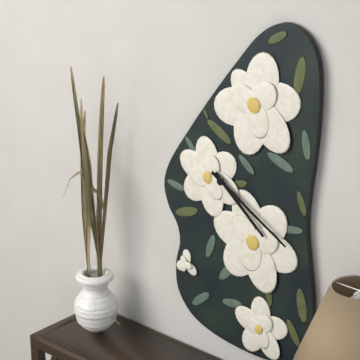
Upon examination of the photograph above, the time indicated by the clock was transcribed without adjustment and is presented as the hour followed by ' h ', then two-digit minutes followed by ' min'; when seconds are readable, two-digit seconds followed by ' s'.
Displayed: 4 h 20 min
